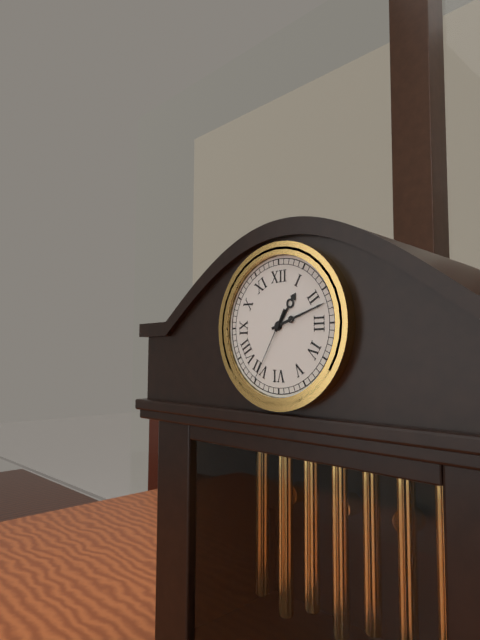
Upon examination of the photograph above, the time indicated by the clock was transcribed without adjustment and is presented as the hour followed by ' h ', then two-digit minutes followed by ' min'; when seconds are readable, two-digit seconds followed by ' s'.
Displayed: 1 h 12 min 35 s
